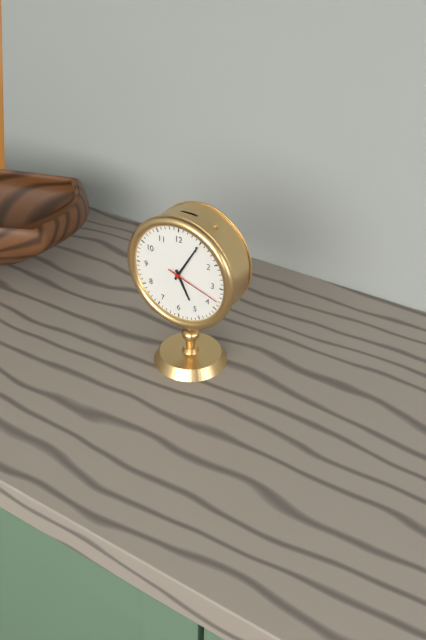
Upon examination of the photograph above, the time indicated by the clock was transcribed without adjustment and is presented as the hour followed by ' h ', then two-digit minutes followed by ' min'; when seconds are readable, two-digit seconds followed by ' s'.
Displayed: 5 h 05 min 18 s
